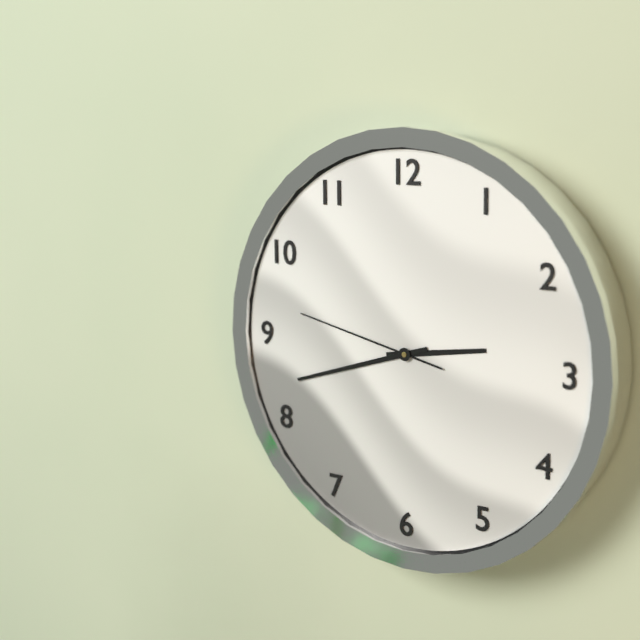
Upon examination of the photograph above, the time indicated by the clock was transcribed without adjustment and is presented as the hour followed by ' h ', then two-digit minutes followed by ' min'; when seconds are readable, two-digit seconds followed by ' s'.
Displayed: 2 h 42 min 47 s
